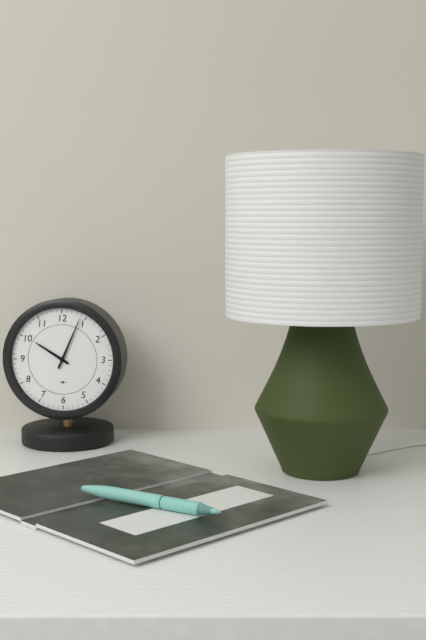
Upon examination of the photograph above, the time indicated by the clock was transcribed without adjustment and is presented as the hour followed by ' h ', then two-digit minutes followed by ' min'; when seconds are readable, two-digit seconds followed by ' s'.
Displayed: 10 h 04 min
